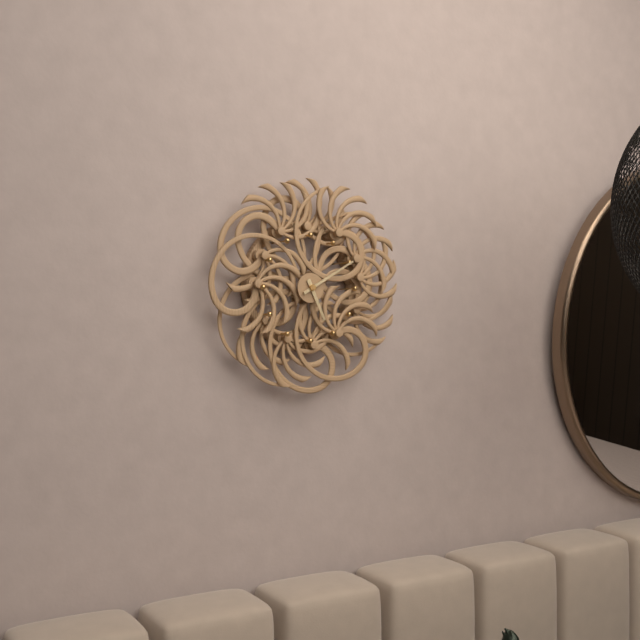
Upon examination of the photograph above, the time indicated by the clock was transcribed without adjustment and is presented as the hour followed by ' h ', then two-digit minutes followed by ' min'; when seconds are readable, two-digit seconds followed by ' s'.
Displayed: 5 h 10 min
